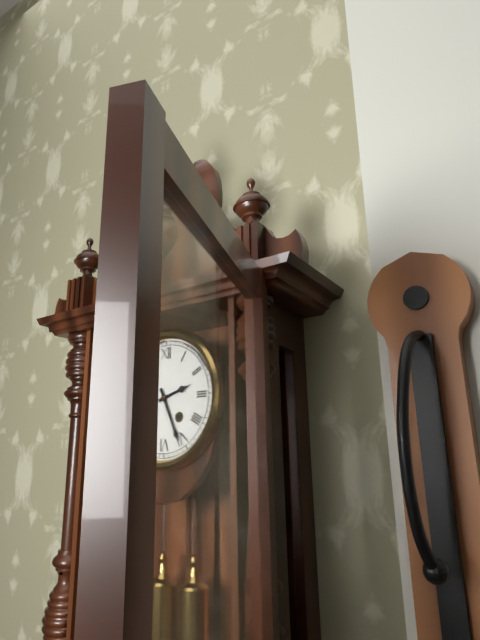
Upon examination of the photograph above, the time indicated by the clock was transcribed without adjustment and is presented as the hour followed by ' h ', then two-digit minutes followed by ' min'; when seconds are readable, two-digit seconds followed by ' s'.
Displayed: 2 h 26 min
